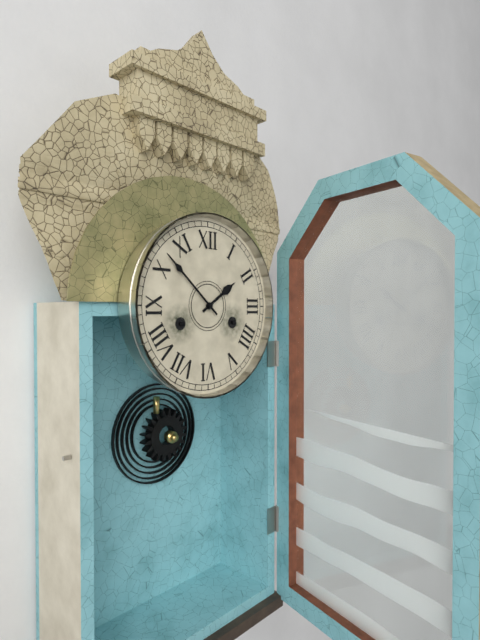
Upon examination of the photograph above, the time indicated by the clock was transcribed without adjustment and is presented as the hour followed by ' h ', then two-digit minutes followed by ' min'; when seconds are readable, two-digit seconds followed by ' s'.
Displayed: 1 h 52 min
